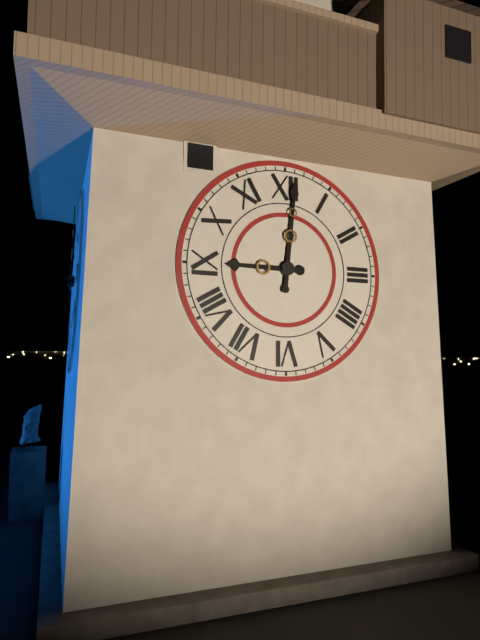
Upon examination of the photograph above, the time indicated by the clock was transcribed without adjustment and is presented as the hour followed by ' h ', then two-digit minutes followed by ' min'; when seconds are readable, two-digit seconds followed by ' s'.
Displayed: 9 h 01 min
